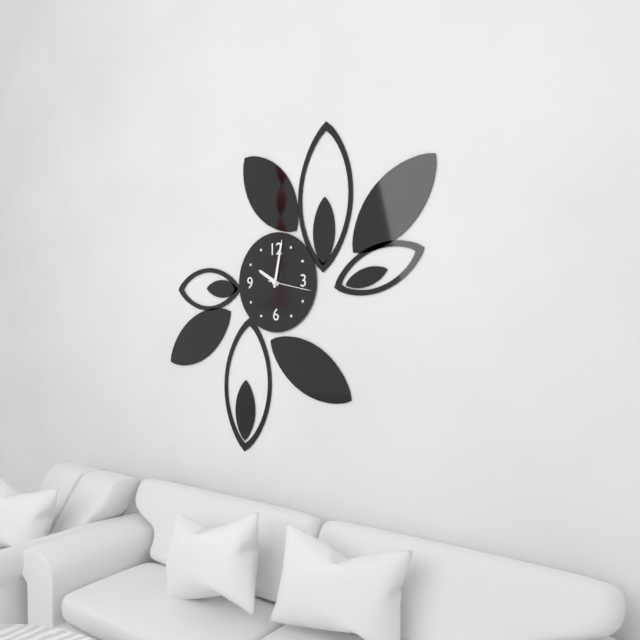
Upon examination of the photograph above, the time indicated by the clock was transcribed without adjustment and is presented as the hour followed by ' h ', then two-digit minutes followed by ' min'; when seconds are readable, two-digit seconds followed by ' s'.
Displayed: 10 h 02 min
